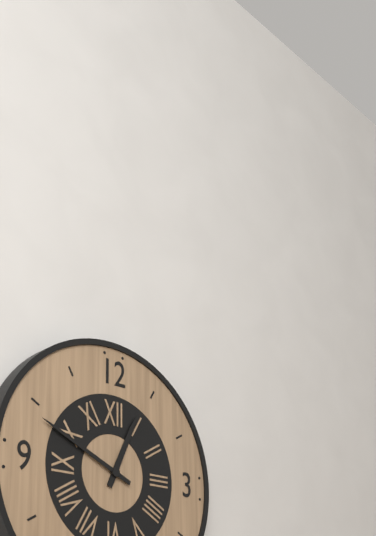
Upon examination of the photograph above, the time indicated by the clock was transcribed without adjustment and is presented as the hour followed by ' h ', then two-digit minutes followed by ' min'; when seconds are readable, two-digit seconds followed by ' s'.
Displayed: 12 h 49 min
